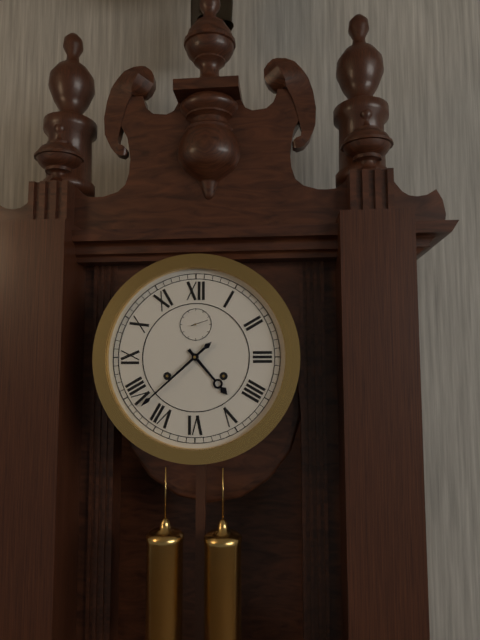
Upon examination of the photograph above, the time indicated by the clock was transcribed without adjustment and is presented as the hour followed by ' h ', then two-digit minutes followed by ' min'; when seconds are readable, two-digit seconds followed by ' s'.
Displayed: 4 h 38 min
